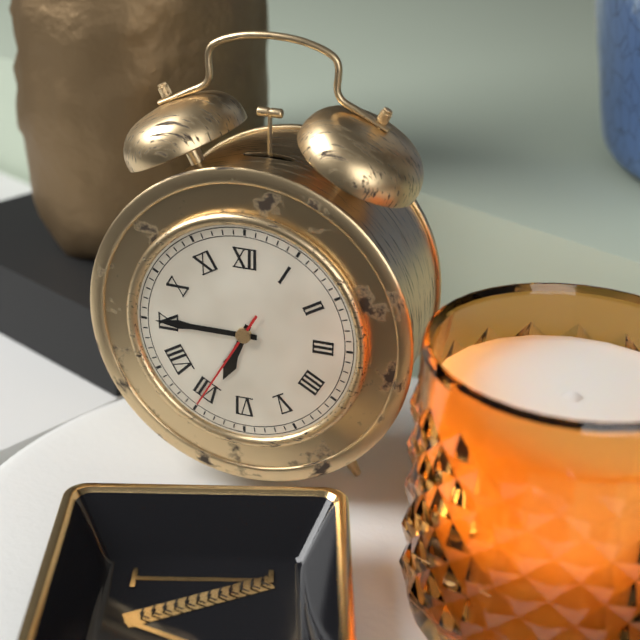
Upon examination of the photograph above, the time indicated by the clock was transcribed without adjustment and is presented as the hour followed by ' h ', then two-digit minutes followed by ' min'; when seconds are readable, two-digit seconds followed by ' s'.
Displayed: 6 h 45 min 35 s
